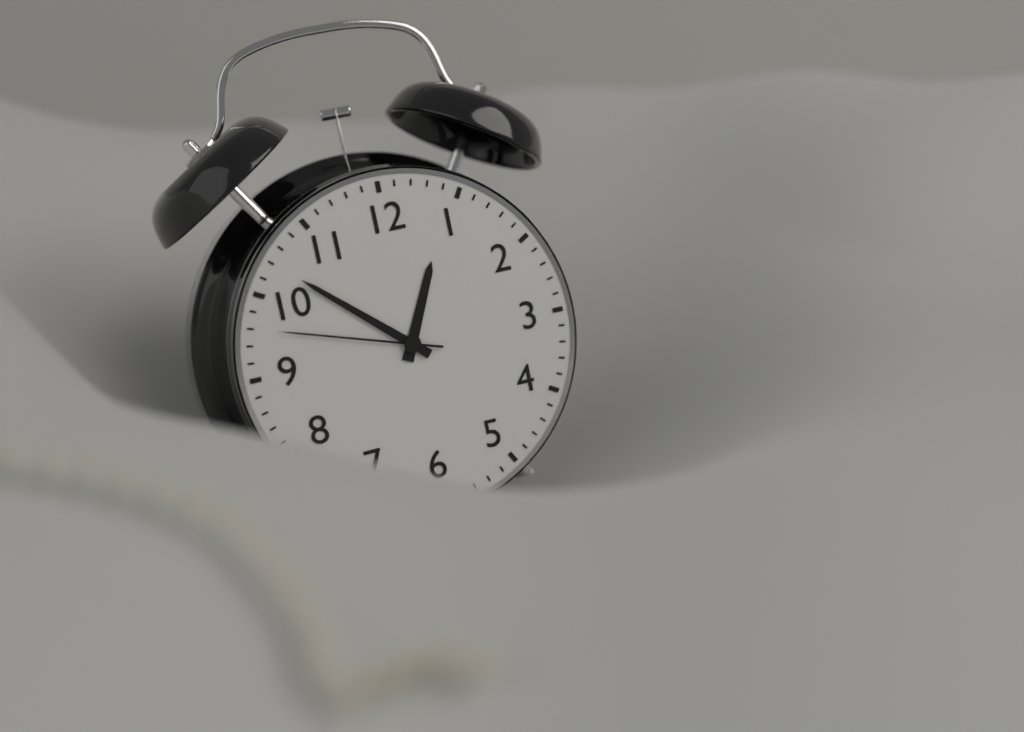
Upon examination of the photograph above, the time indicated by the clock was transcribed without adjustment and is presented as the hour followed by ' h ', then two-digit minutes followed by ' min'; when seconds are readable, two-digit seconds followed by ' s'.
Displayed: 12 h 52 min 48 s
